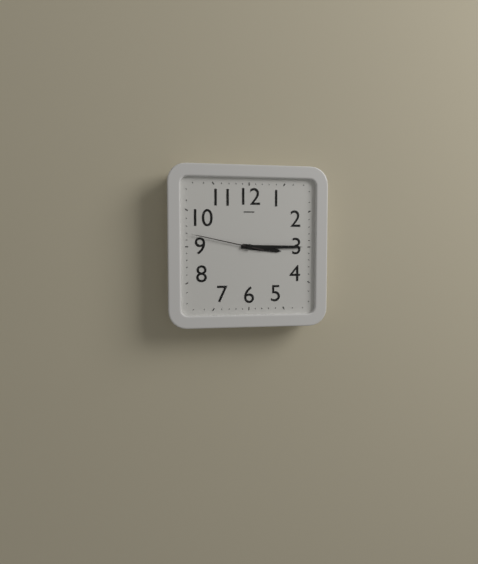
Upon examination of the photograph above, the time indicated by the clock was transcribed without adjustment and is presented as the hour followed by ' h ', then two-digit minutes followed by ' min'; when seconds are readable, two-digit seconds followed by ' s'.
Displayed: 3 h 15 min 47 s
